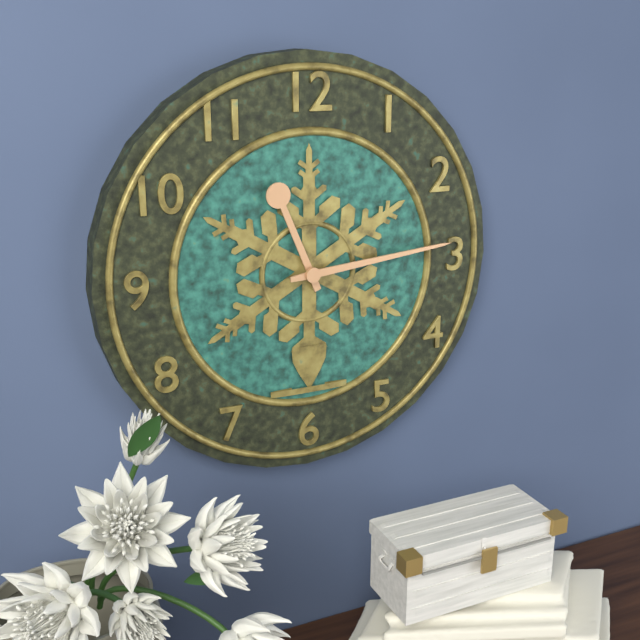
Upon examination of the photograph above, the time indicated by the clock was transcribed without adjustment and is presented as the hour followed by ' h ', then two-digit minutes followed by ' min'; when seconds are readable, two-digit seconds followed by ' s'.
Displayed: 11 h 14 min
